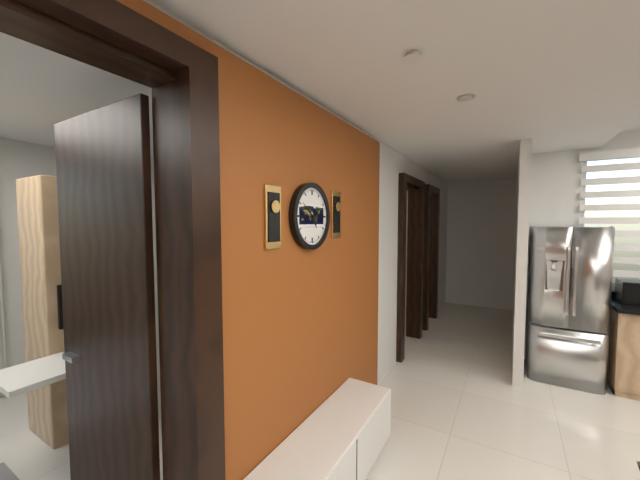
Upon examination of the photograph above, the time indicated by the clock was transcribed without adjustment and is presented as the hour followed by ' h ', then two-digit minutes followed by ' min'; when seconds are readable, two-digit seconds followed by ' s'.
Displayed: 4 h 51 min
